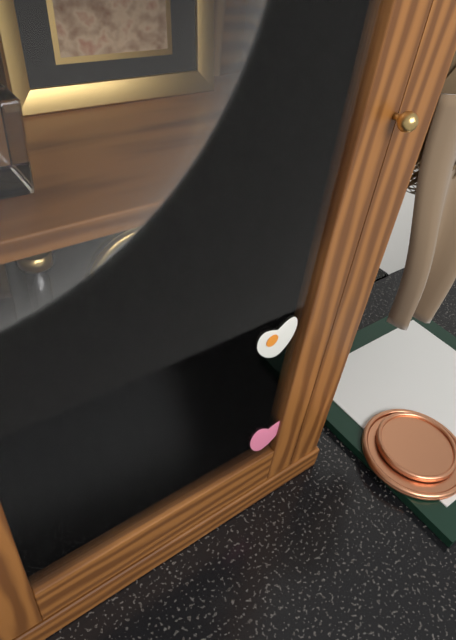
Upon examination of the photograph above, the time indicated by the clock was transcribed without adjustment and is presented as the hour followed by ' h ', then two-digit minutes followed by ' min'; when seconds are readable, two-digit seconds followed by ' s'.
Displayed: 3 h 48 min
